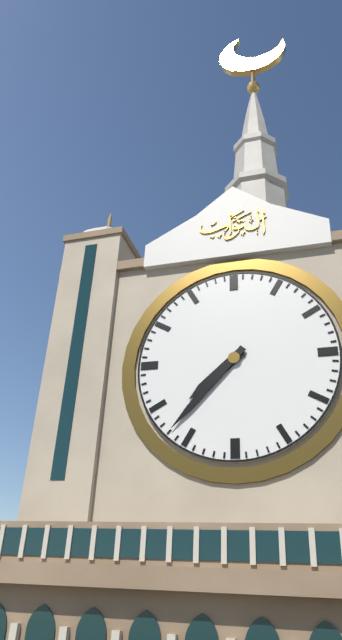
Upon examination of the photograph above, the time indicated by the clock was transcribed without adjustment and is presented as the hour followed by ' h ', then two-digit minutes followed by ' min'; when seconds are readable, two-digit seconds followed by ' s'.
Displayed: 7 h 37 min
